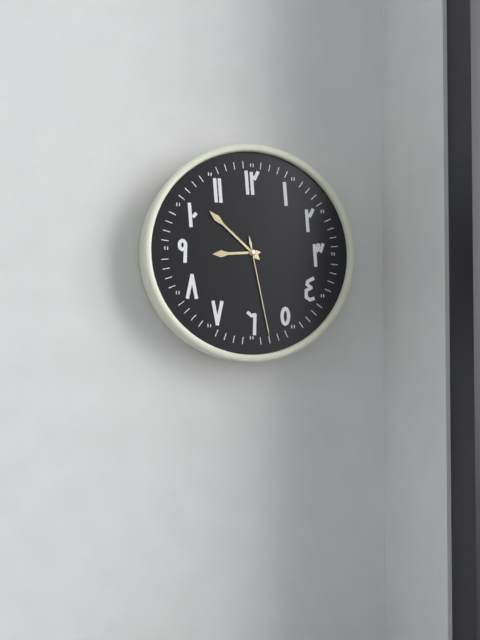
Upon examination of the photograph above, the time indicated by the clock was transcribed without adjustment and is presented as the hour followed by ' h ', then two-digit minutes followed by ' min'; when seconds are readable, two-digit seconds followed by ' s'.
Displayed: 8 h 52 min 28 s
